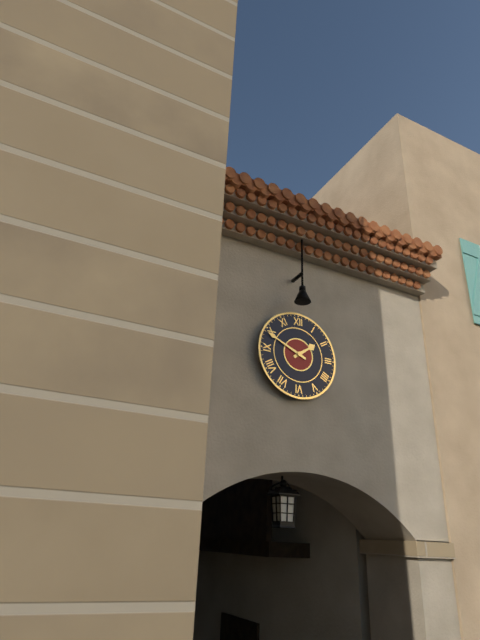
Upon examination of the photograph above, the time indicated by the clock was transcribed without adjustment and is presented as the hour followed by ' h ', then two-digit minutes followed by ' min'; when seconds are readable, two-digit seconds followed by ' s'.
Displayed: 1 h 49 min
